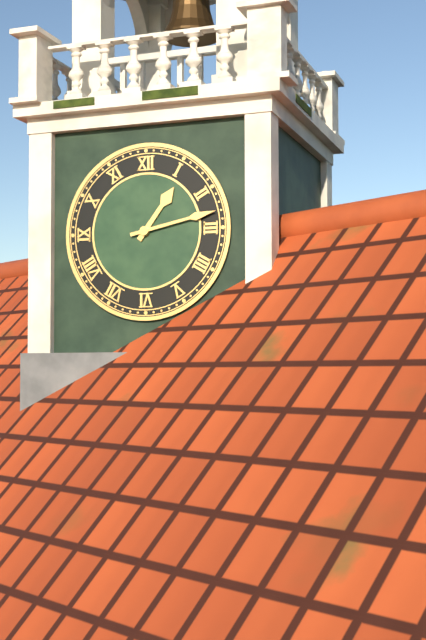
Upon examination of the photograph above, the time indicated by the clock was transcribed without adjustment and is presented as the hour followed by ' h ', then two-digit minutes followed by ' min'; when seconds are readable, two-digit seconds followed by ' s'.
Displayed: 1 h 13 min
